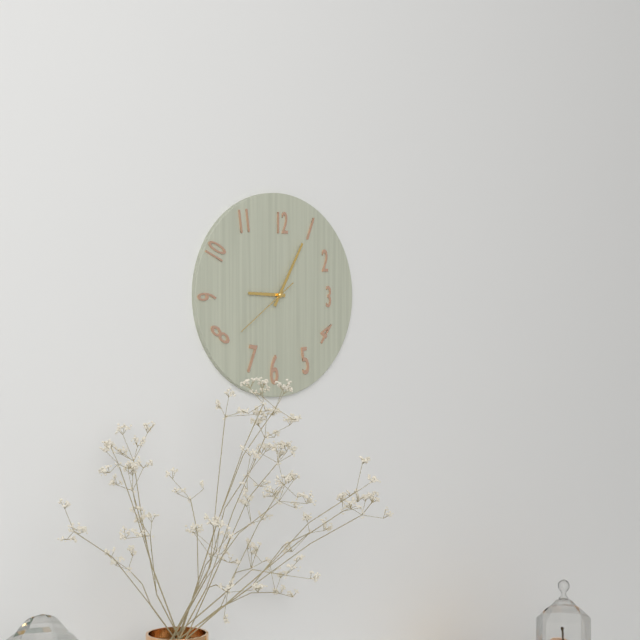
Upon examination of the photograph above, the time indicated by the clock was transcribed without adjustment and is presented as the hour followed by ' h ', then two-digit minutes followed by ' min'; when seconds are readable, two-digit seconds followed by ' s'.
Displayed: 9 h 05 min 39 s
